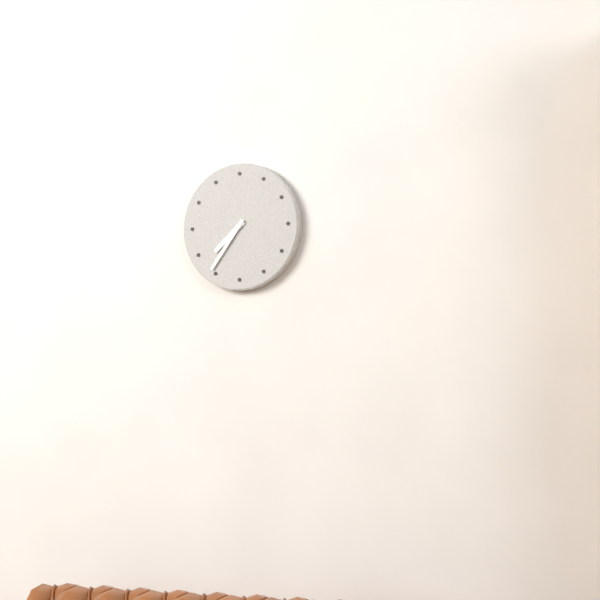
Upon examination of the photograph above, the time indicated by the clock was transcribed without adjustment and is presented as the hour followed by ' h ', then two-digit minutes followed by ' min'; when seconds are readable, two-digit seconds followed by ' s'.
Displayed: 7 h 36 min
